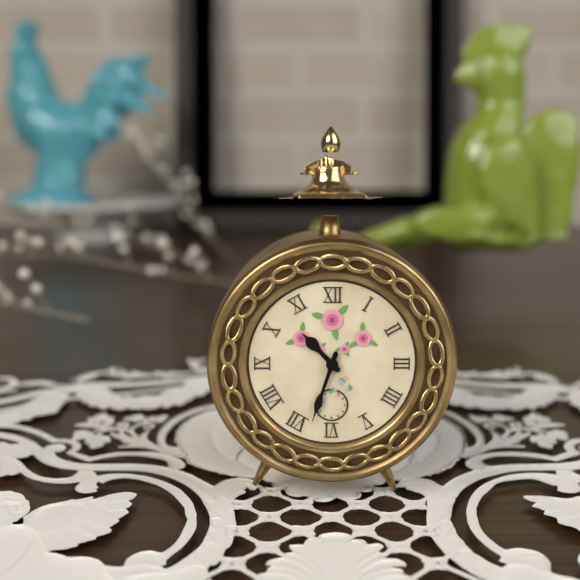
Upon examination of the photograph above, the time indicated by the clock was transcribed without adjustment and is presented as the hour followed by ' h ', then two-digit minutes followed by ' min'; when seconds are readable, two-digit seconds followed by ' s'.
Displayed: 10 h 33 min
